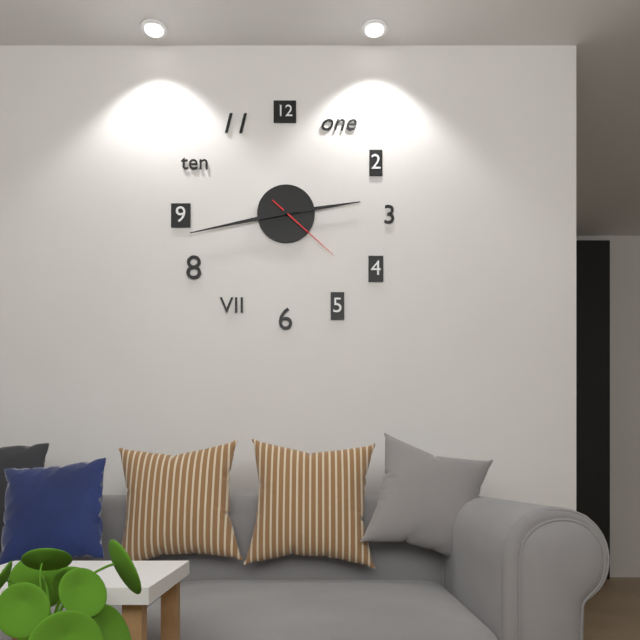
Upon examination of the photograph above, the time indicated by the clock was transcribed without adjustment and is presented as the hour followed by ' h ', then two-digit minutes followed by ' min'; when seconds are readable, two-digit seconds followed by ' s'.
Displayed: 2 h 43 min 22 s
